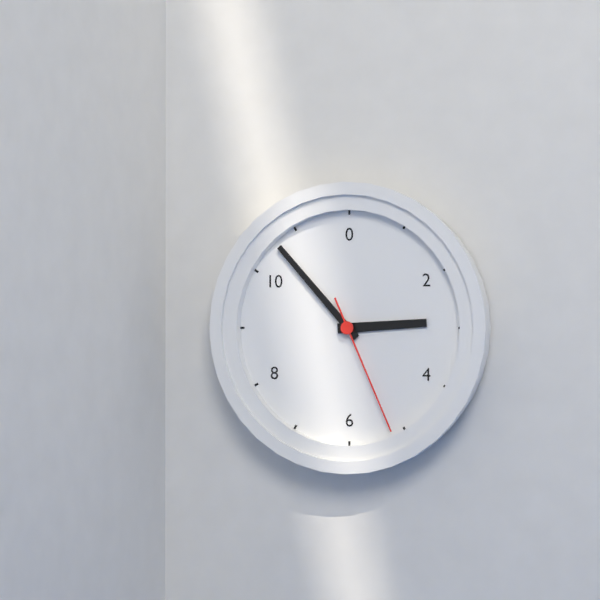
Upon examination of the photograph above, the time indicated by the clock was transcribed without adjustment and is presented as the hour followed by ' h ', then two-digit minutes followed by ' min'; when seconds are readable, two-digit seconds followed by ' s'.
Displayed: 2 h 53 min 26 s
